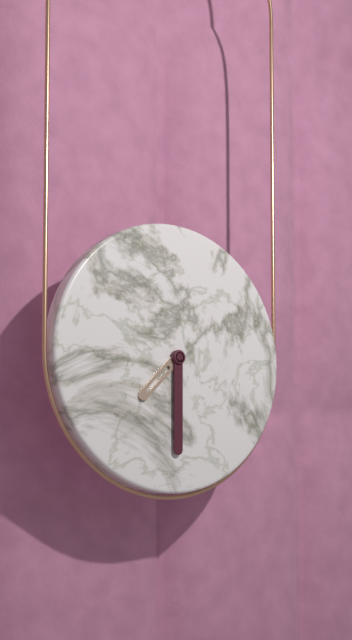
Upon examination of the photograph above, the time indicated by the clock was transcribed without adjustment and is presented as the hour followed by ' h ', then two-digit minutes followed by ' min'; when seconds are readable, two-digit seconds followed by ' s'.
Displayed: 7 h 30 min
